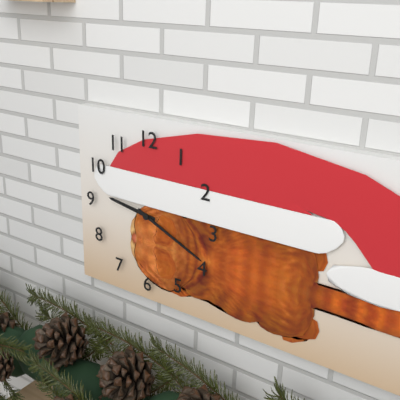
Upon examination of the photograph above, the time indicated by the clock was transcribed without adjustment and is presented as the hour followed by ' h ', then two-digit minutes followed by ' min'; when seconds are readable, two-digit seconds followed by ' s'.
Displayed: 9 h 19 min
